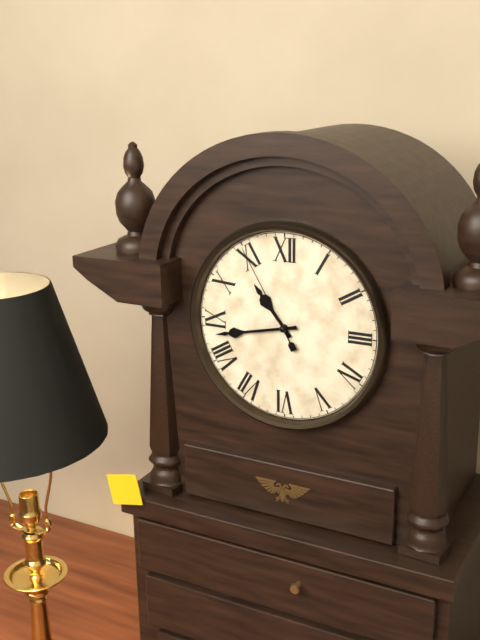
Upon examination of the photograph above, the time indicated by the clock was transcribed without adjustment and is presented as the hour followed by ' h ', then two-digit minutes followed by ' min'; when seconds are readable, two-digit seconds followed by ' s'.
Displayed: 10 h 43 min 55 s
